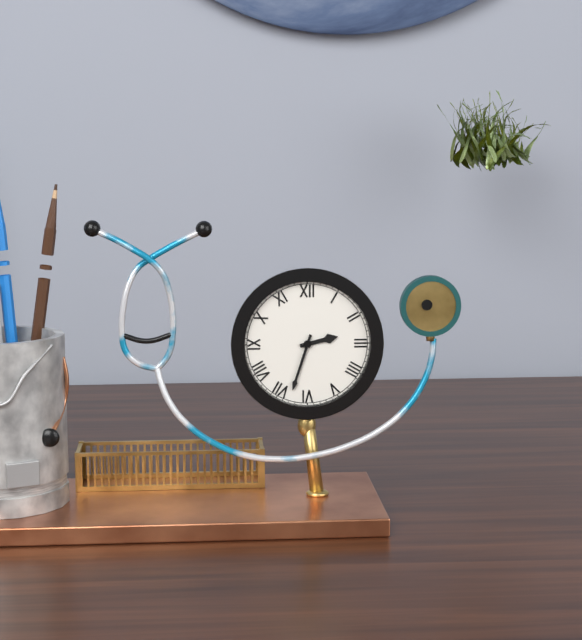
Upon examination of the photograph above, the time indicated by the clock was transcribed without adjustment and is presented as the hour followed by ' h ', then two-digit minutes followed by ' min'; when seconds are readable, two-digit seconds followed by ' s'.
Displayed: 2 h 33 min
